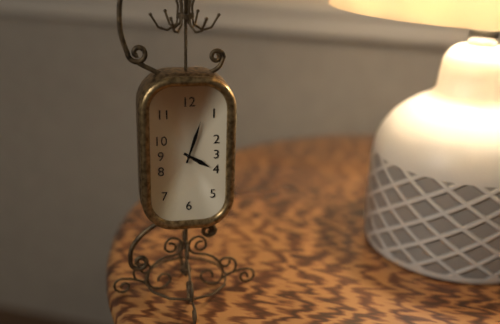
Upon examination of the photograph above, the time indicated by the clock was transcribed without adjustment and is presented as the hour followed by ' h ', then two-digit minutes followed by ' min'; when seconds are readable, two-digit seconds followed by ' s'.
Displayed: 4 h 03 min
